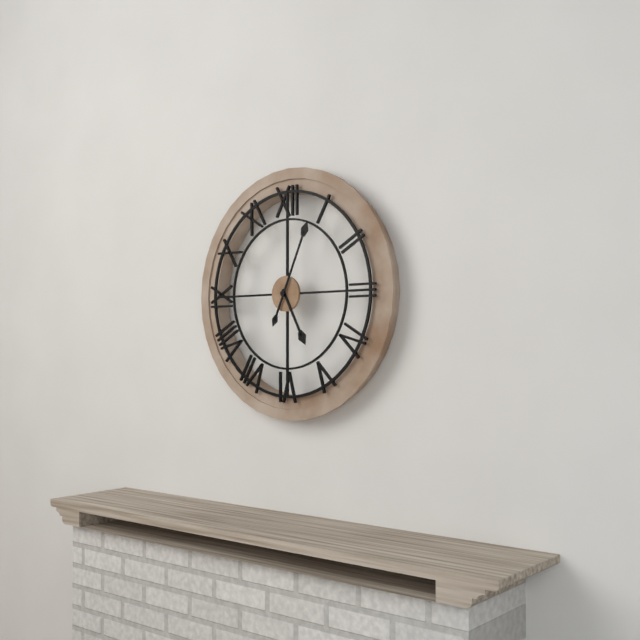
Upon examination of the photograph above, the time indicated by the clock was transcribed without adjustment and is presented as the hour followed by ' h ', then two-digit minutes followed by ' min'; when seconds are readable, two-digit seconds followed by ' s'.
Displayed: 5 h 04 min
